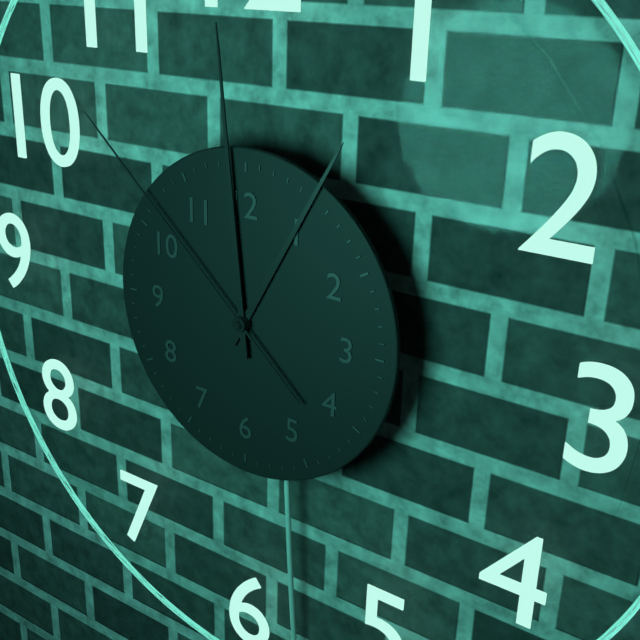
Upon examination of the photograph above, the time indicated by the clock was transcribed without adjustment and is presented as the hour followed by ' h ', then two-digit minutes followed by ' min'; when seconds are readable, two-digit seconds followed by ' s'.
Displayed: 12 h 59 min 52 s
